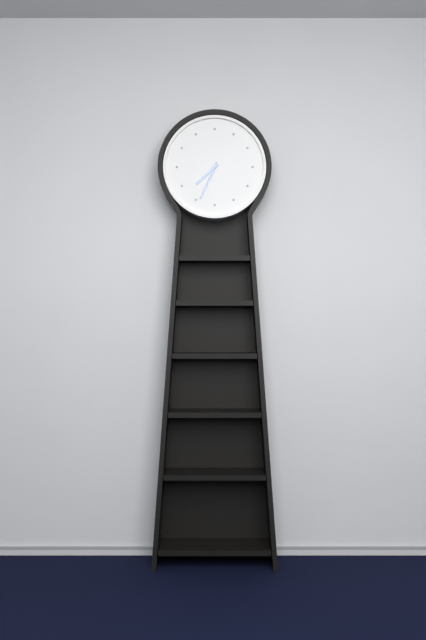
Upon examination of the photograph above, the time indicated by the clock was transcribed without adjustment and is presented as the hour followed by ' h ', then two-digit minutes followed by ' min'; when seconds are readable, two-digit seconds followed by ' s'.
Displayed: 7 h 34 min
